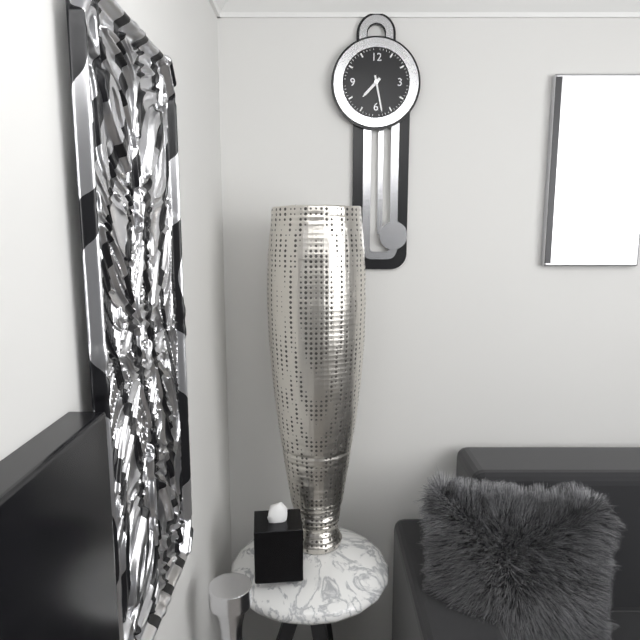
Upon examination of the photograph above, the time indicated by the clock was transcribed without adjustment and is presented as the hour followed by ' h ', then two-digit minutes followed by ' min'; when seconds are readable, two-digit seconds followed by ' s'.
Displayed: 7 h 28 min
